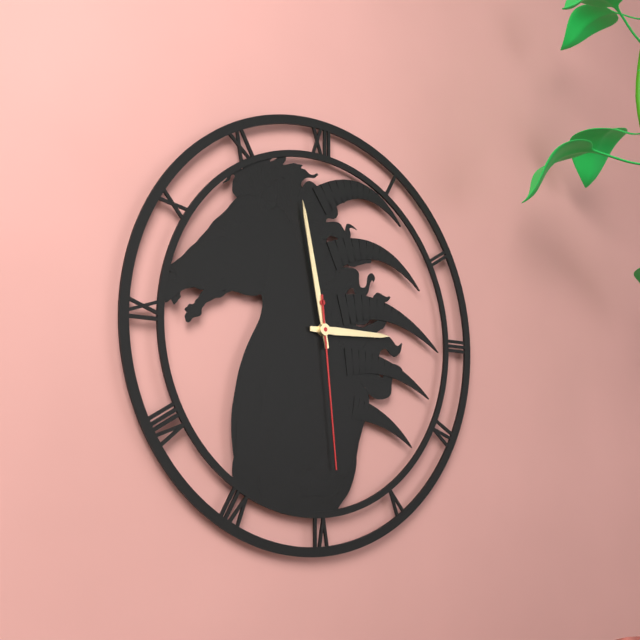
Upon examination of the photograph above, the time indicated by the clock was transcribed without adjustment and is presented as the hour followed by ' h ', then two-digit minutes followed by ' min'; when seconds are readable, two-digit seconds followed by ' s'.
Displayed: 2 h 58 min 29 s
